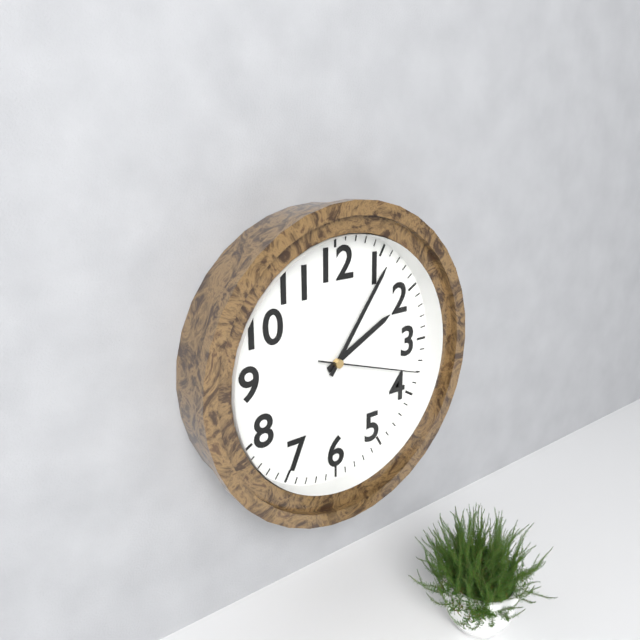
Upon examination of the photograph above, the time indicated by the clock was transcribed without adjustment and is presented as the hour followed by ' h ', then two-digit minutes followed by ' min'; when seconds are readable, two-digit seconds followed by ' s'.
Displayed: 2 h 06 min 18 s
